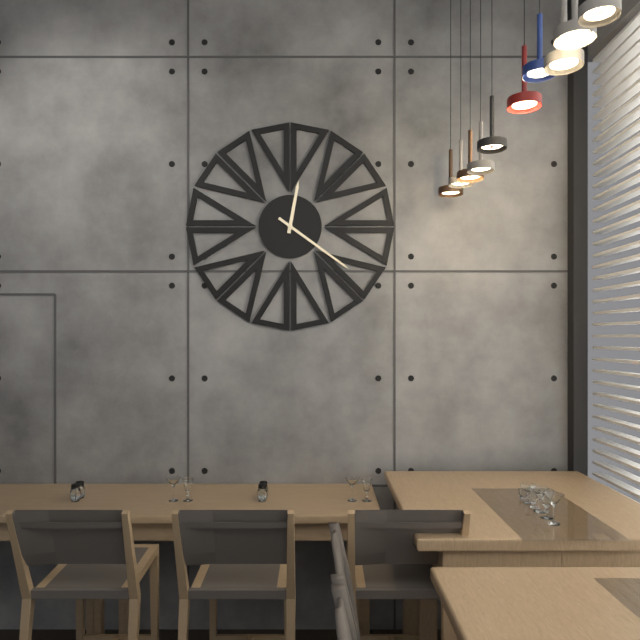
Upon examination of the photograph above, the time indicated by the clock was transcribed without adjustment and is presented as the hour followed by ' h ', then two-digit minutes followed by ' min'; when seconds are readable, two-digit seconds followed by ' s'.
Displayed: 12 h 21 min
